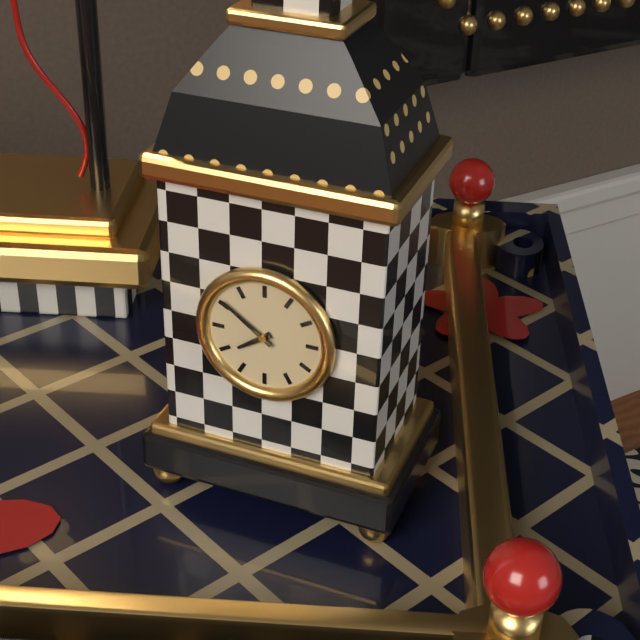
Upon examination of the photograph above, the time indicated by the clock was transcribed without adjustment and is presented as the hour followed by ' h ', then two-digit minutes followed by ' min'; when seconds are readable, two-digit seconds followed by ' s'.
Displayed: 7 h 51 min
